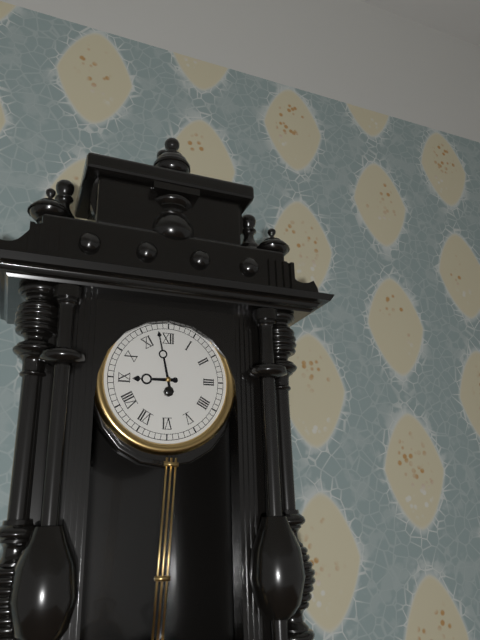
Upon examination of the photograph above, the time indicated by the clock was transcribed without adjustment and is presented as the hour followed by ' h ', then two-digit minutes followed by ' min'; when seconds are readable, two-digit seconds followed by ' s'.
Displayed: 8 h 58 min
